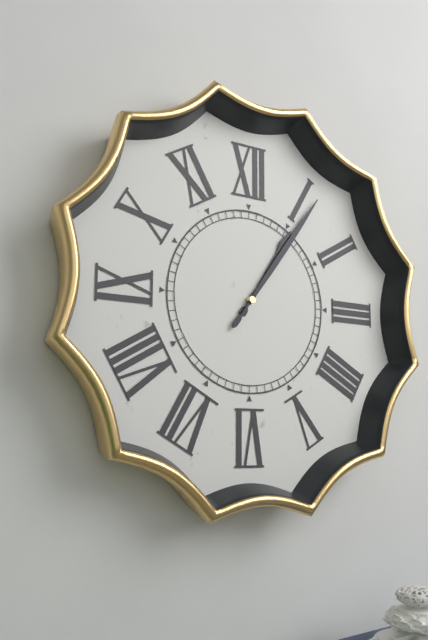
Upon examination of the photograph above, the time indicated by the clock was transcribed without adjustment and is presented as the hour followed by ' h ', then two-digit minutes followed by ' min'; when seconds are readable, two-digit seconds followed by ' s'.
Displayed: 1 h 06 min
